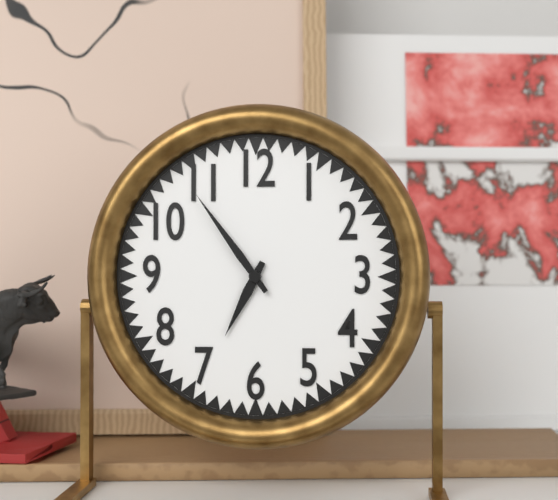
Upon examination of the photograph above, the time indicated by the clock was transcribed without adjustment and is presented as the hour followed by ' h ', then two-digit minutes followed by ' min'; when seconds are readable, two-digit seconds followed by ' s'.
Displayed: 6 h 54 min
